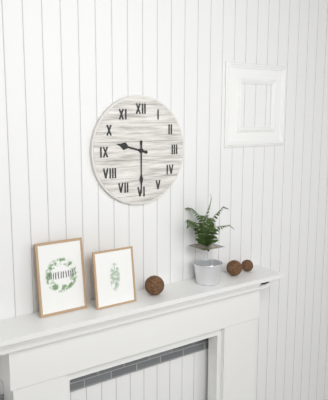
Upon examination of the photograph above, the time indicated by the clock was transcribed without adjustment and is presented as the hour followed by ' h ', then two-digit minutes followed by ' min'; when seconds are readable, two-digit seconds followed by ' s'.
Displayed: 9 h 30 min
